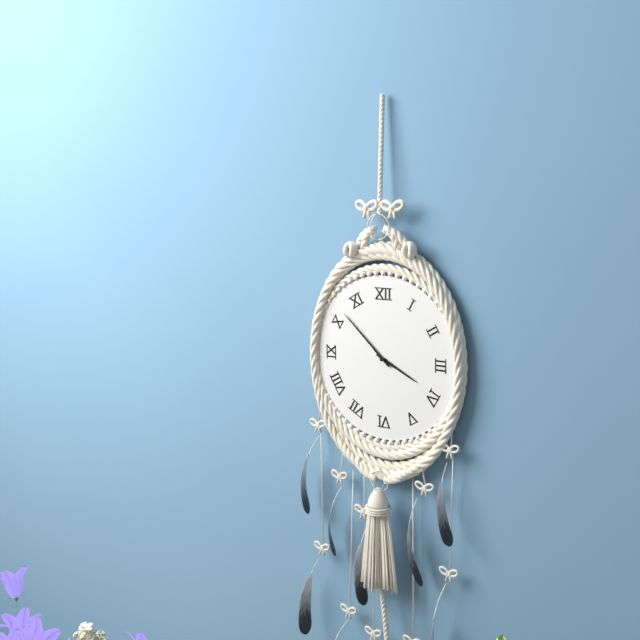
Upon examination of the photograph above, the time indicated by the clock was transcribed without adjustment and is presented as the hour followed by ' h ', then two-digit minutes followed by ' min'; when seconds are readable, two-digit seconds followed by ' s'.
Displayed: 3 h 52 min
